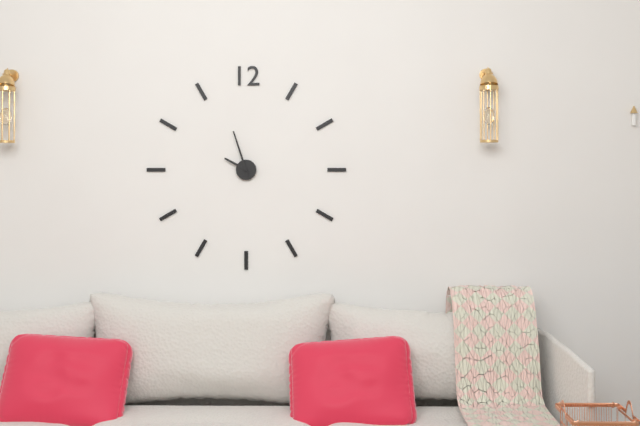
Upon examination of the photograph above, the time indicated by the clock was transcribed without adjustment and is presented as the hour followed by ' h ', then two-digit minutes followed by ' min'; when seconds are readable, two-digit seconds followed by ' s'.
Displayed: 9 h 57 min
